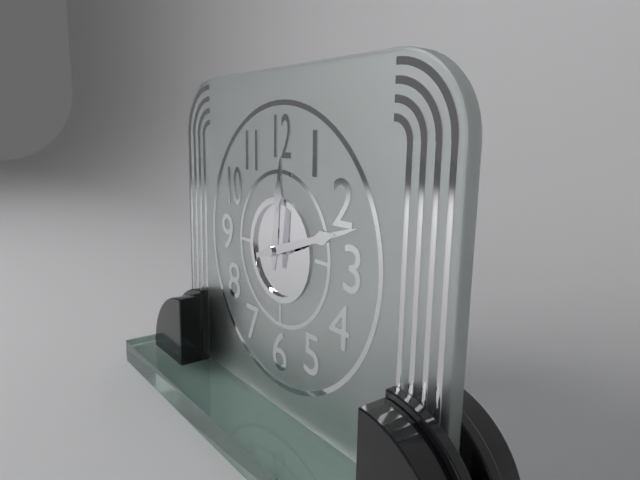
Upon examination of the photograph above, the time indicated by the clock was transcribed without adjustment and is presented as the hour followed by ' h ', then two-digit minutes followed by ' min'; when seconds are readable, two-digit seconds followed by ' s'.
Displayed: 12 h 12 min
